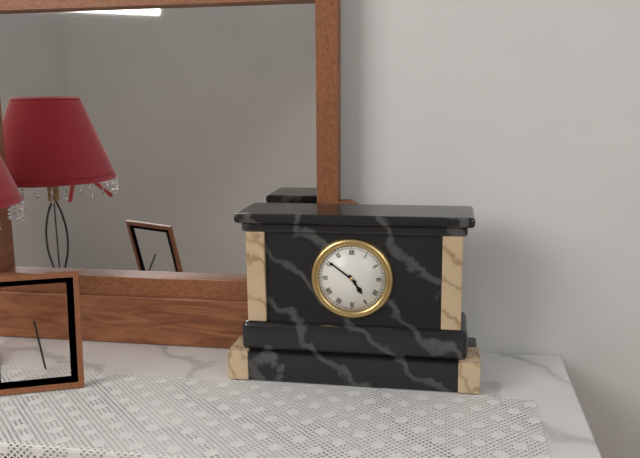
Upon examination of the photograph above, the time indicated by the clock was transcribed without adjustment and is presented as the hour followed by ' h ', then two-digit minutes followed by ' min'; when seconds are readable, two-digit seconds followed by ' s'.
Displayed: 4 h 51 min
